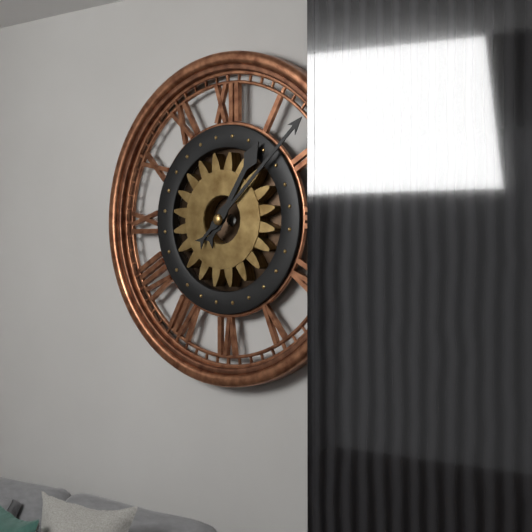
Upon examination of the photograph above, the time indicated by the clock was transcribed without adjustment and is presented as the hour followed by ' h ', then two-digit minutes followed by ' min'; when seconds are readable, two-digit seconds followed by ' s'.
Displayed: 1 h 08 min
